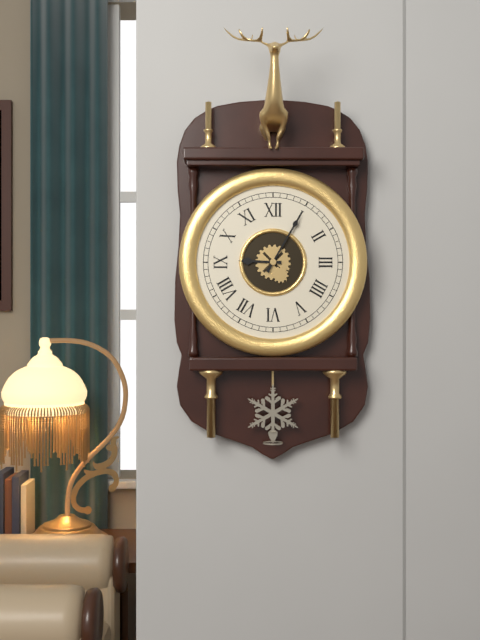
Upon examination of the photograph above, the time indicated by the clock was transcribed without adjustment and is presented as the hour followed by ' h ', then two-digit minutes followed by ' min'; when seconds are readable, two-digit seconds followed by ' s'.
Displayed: 9 h 05 min
